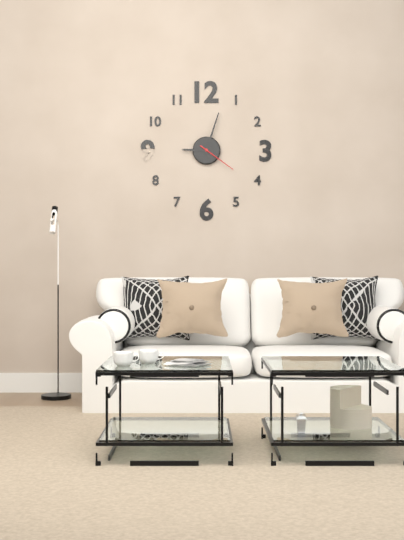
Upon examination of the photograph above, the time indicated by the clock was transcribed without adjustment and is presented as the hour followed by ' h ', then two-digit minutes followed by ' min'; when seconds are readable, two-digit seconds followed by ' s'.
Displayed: 9 h 03 min
